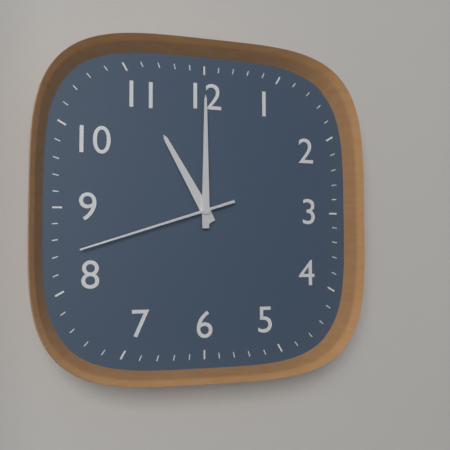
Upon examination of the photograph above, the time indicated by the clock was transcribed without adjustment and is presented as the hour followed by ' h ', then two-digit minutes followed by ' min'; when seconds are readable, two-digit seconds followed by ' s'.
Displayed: 11 h 00 min 42 s
